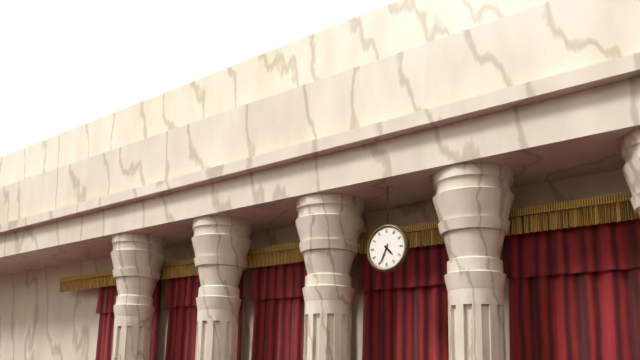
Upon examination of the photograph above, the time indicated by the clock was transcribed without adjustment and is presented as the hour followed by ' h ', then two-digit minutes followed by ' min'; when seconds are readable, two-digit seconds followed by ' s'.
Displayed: 4 h 34 min
